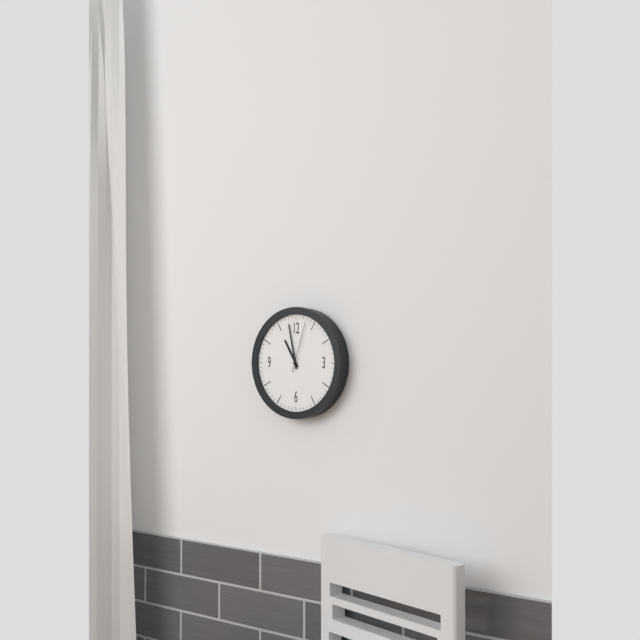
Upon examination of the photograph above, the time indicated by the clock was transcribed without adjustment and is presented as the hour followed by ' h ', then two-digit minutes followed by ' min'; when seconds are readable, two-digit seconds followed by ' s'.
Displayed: 10 h 58 min 03 s
